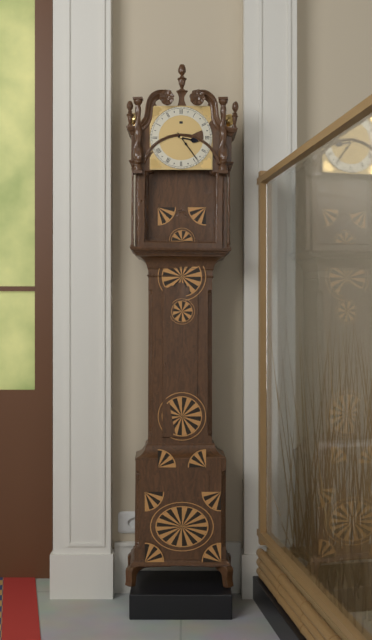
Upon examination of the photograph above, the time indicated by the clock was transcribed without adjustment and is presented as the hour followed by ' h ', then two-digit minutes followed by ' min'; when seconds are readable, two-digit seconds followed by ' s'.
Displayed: 3 h 24 min
